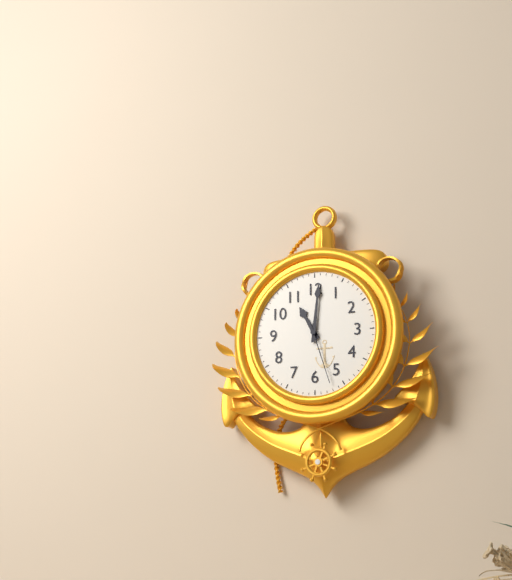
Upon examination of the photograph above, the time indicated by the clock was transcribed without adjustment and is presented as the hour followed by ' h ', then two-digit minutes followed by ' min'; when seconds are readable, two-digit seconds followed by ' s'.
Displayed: 11 h 01 min 27 s
